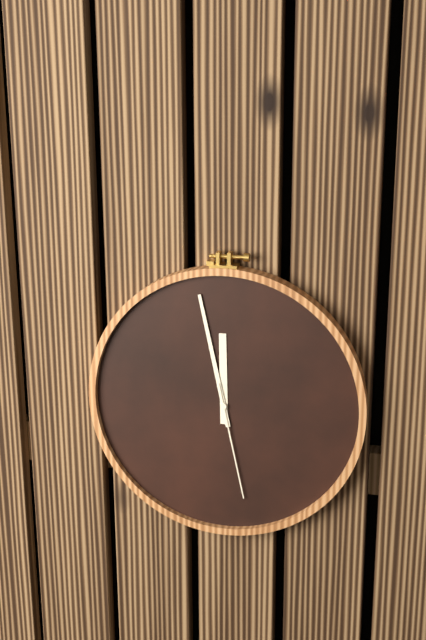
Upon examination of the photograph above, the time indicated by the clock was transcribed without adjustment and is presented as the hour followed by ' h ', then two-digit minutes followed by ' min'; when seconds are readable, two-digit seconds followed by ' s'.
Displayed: 11 h 58 min 28 s
